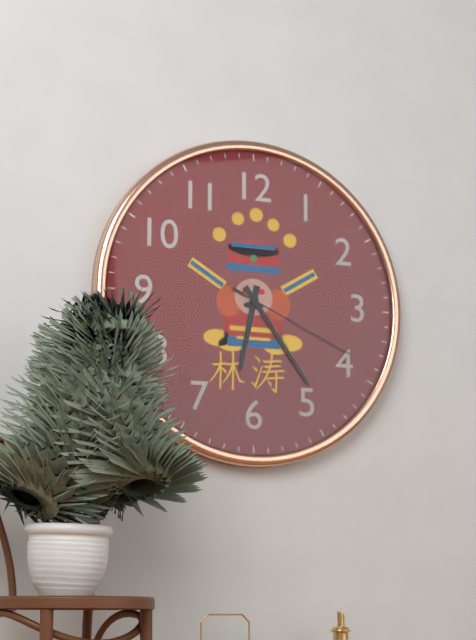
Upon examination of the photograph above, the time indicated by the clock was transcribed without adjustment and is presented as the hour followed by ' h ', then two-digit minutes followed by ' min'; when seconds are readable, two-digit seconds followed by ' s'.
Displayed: 6 h 24 min 19 s
